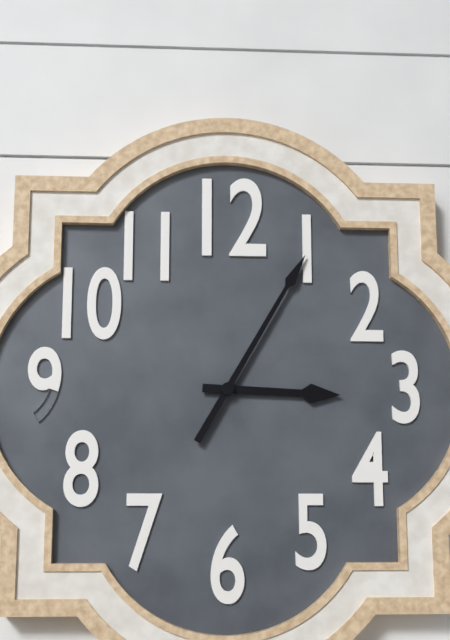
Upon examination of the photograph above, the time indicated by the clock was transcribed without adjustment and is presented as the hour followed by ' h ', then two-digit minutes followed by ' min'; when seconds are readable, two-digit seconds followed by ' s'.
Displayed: 3 h 05 min
